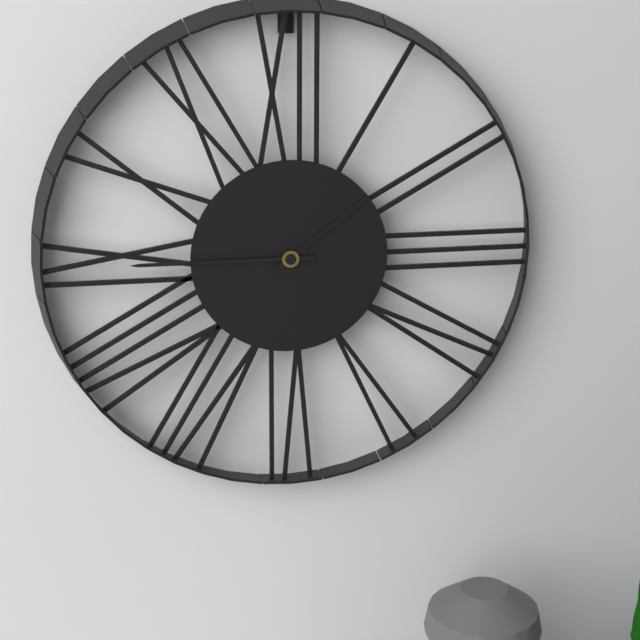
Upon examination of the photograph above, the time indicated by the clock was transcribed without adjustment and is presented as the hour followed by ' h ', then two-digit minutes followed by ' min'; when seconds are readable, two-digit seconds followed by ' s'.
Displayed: 1 h 45 min
